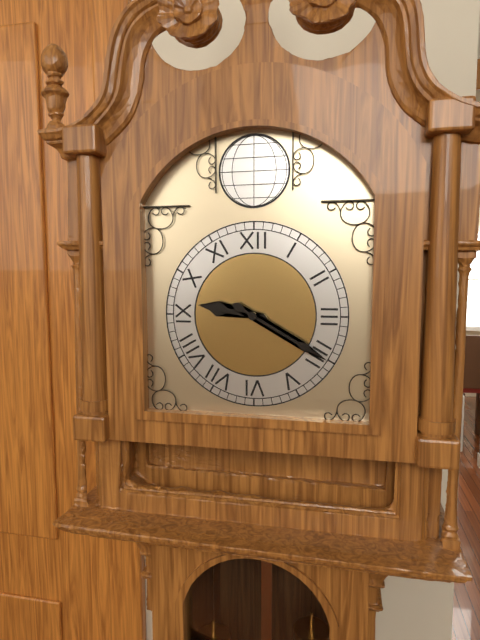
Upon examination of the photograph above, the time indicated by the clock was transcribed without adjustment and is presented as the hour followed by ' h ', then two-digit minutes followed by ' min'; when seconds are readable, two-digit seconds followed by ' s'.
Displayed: 9 h 20 min
